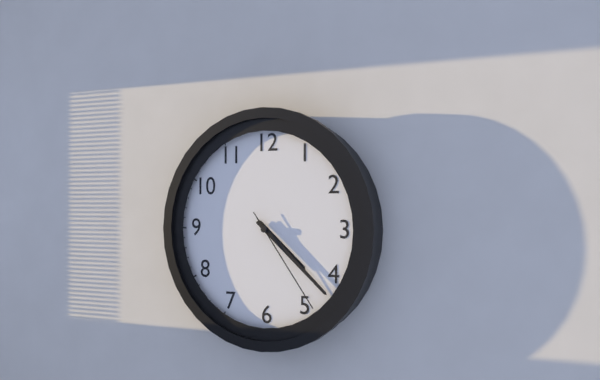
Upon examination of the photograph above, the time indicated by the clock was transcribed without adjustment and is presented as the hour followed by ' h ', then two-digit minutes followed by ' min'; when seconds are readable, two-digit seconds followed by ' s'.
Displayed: 4 h 22 min 24 s
